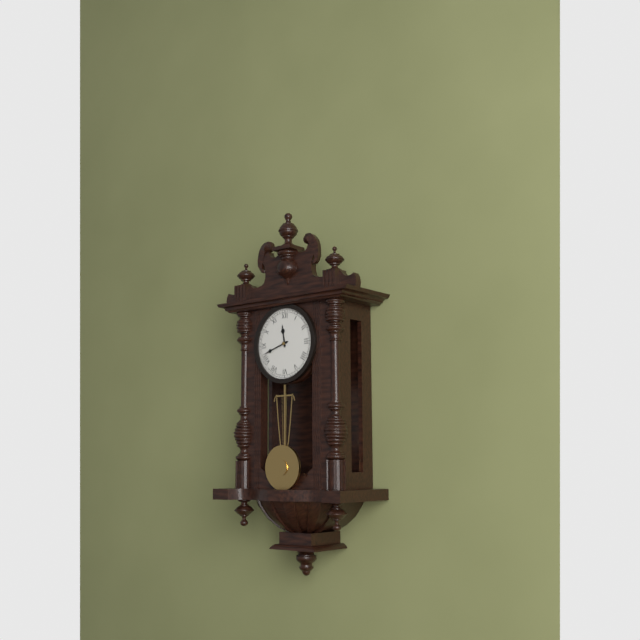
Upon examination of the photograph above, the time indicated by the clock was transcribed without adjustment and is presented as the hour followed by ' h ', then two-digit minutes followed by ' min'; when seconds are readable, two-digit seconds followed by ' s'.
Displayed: 11 h 42 min
